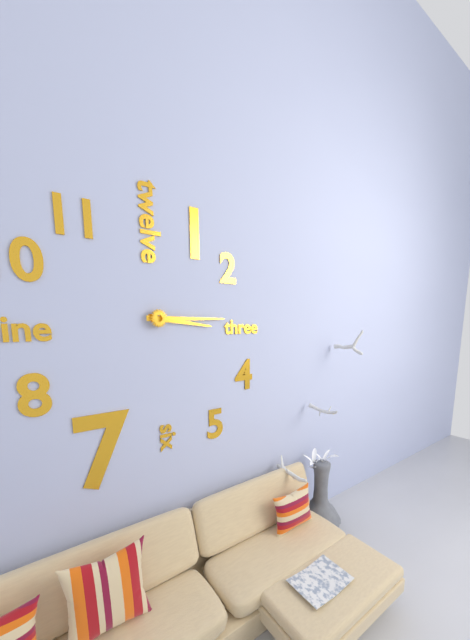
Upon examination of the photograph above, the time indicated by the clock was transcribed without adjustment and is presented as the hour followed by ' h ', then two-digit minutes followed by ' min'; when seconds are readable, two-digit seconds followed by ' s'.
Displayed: 3 h 15 min
